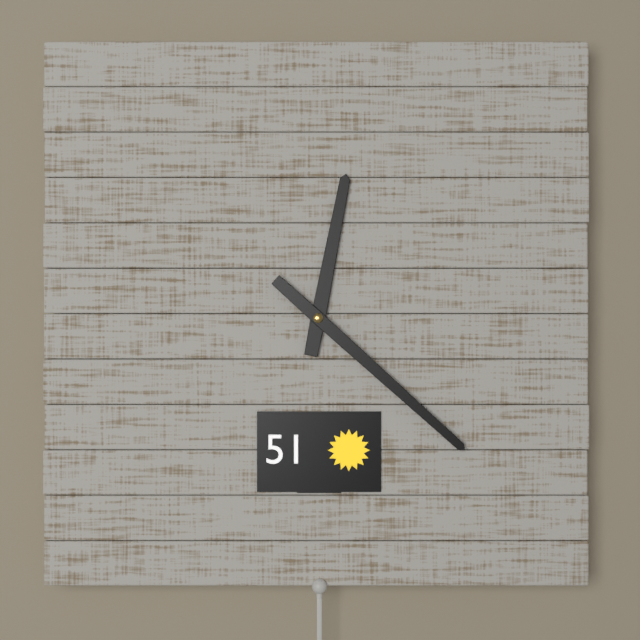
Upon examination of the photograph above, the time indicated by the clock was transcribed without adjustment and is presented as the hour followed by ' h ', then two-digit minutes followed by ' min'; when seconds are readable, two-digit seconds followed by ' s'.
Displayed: 12 h 22 min
